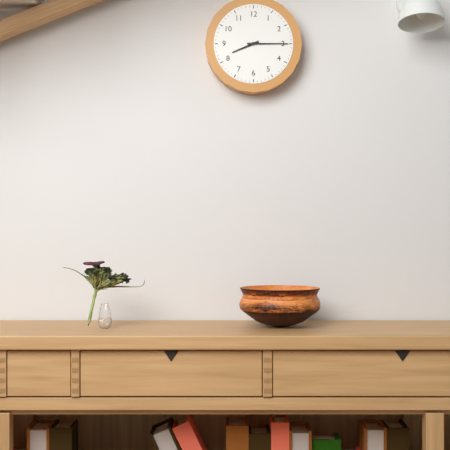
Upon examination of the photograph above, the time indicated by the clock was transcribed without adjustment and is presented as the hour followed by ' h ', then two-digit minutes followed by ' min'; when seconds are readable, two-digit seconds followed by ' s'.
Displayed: 8 h 15 min
